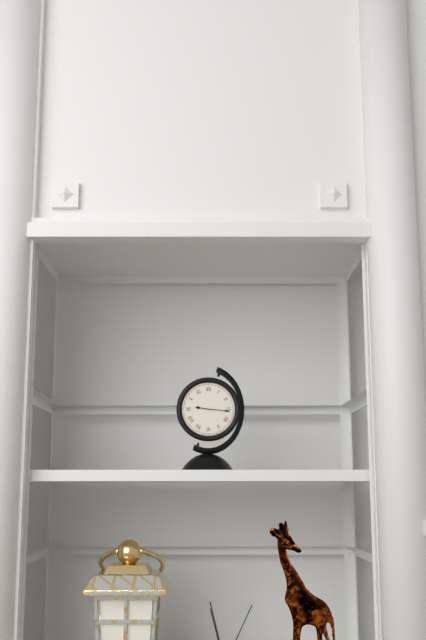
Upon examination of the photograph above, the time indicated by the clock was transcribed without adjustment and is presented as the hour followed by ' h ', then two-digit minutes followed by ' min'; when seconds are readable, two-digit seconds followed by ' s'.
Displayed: 9 h 16 min
